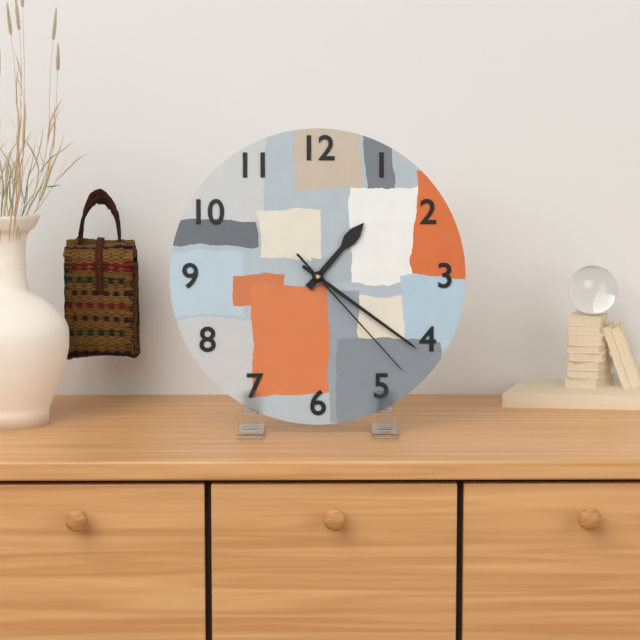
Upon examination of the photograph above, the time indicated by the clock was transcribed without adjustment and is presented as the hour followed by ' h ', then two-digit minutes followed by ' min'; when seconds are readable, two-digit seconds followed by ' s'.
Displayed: 1 h 21 min 23 s
